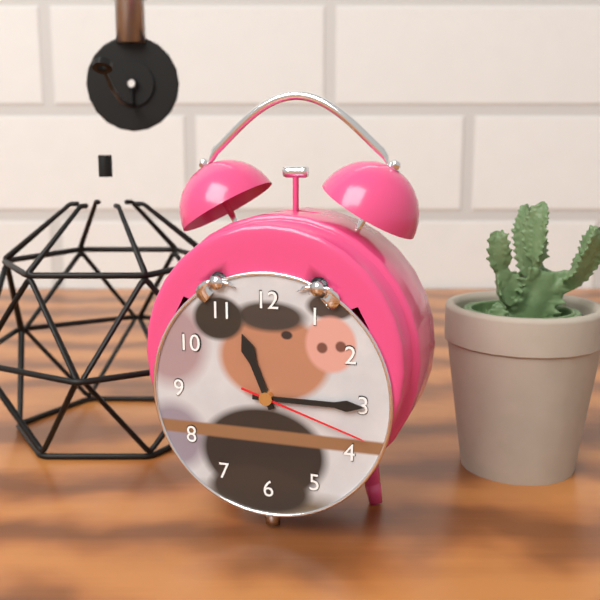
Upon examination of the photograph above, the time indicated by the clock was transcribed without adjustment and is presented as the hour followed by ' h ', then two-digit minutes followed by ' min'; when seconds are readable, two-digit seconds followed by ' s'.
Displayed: 11 h 15 min 18 s
